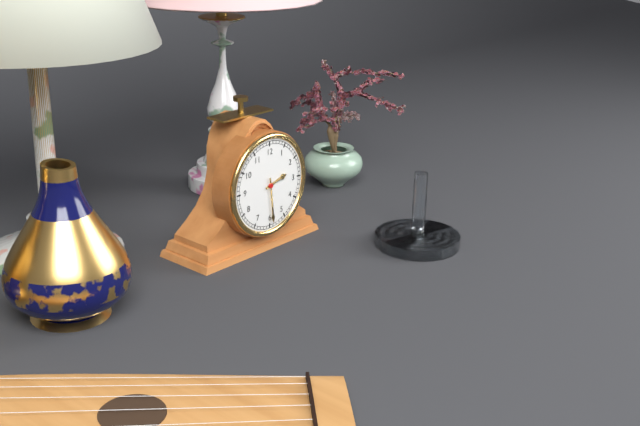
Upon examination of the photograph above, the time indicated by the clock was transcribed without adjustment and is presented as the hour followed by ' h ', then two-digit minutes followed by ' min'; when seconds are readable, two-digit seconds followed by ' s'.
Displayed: 2 h 29 min
